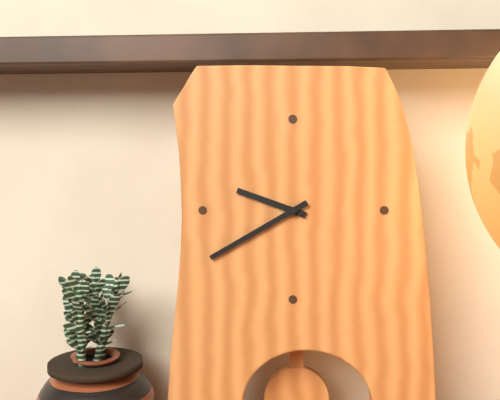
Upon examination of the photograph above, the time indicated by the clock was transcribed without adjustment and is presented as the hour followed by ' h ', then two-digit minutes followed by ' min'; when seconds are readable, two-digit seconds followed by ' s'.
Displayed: 9 h 40 min
